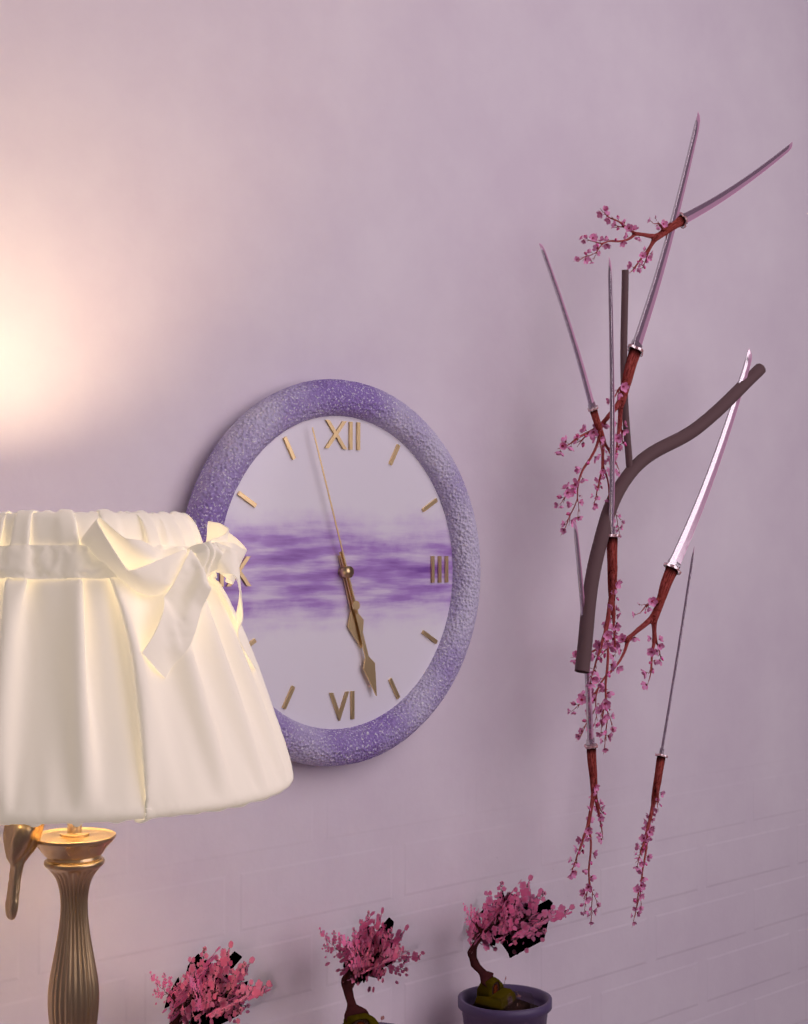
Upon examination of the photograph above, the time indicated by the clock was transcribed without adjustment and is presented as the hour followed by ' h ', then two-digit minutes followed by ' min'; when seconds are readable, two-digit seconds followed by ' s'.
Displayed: 5 h 27 min 57 s
